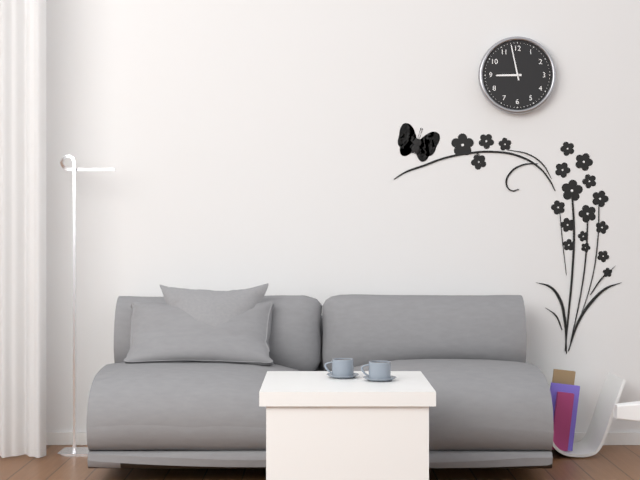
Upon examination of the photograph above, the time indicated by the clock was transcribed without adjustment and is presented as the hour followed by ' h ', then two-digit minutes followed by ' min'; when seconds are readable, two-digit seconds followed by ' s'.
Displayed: 8 h 58 min
